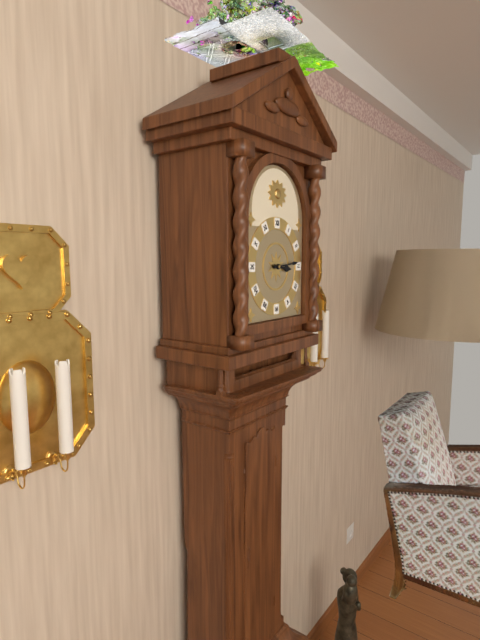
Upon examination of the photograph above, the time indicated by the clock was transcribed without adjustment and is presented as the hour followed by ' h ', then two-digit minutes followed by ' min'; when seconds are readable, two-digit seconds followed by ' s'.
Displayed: 3 h 14 min
